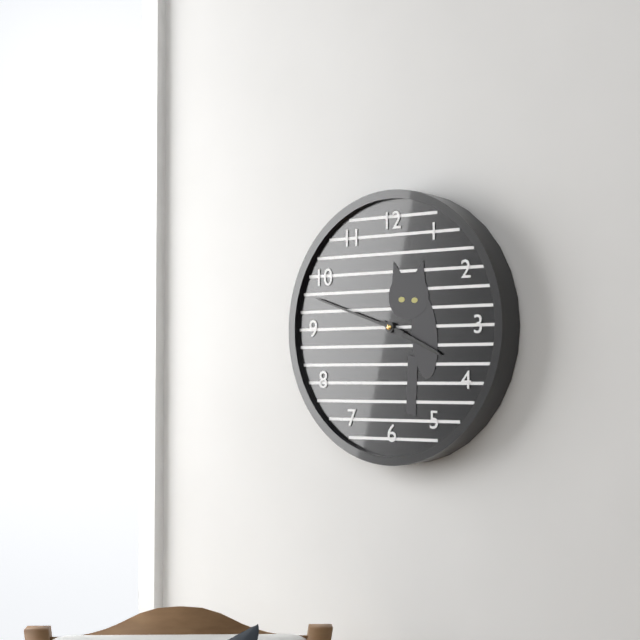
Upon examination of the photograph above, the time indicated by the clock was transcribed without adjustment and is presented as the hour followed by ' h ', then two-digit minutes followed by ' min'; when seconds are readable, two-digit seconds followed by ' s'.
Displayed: 3 h 48 min
